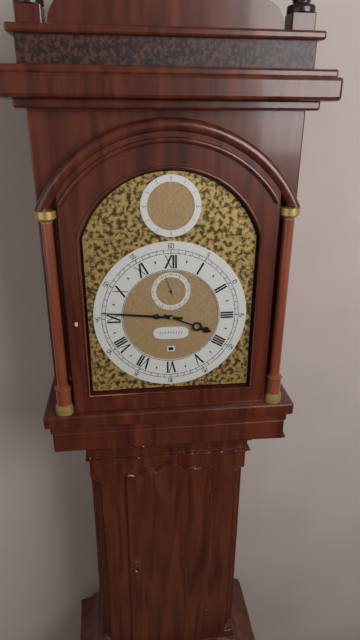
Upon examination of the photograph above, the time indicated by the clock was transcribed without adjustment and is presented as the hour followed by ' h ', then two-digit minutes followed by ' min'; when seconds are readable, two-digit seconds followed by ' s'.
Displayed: 3 h 46 min
